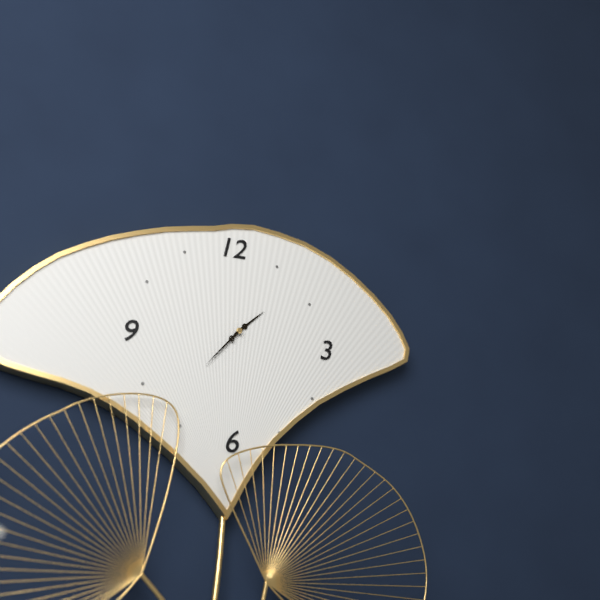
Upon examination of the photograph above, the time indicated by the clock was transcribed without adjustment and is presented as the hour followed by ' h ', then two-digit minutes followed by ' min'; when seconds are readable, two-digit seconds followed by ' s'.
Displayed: 1 h 37 min
